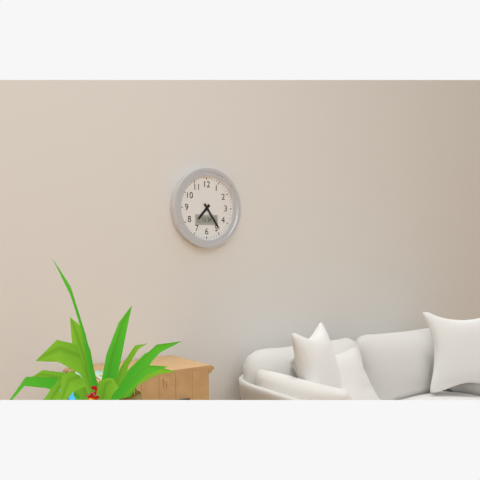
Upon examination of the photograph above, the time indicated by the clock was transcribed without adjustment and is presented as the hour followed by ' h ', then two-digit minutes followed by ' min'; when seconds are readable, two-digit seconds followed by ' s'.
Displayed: 7 h 24 min
